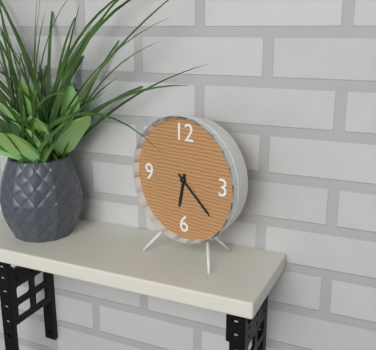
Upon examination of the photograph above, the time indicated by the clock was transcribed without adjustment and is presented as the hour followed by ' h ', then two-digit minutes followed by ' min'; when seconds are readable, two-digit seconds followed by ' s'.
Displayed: 6 h 22 min
